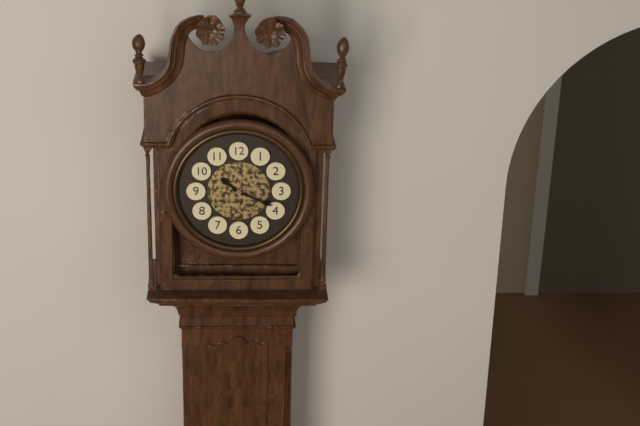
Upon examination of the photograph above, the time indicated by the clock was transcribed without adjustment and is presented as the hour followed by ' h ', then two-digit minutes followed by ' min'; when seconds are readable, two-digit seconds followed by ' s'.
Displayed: 10 h 19 min
